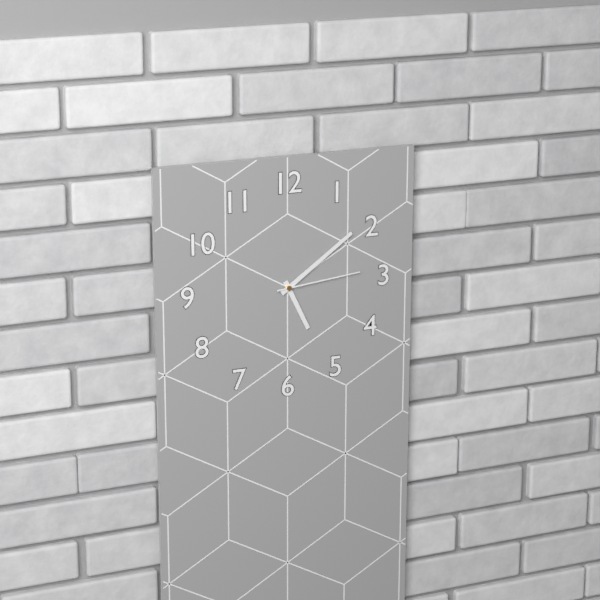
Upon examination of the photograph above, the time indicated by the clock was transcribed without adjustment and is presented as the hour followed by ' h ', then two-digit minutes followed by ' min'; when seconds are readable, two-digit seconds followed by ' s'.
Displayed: 5 h 09 min 14 s
